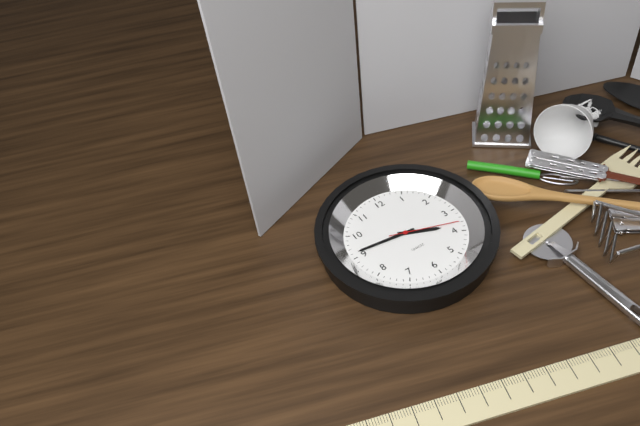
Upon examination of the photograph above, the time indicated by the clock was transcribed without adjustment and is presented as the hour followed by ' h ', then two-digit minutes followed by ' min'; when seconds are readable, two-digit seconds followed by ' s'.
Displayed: 3 h 46 min 18 s
